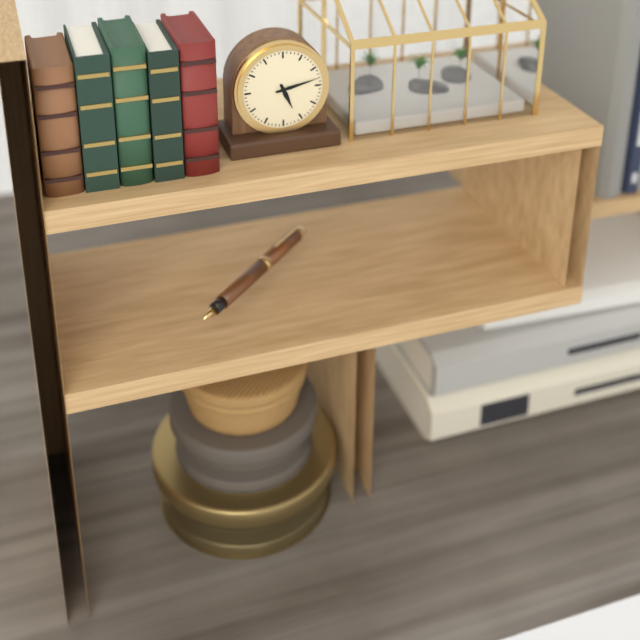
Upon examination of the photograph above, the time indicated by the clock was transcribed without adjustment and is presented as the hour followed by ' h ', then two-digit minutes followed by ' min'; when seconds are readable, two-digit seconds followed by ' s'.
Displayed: 5 h 13 min
